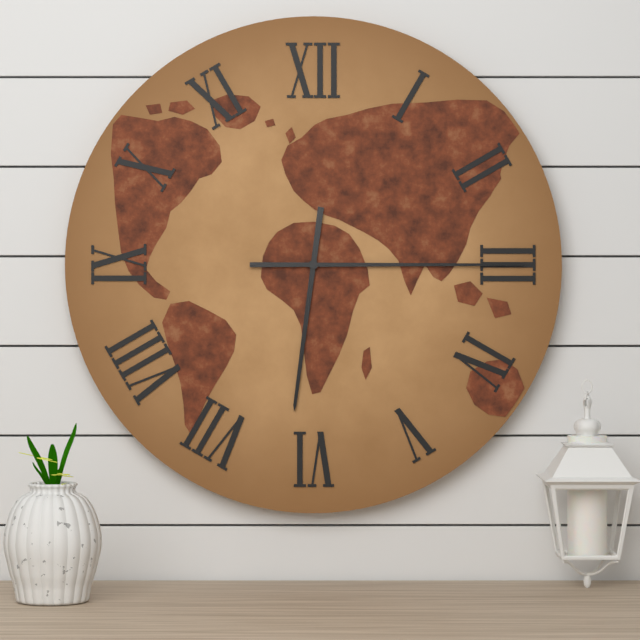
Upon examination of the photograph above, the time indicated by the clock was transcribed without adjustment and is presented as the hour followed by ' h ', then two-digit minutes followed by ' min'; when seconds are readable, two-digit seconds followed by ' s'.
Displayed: 6 h 15 min
